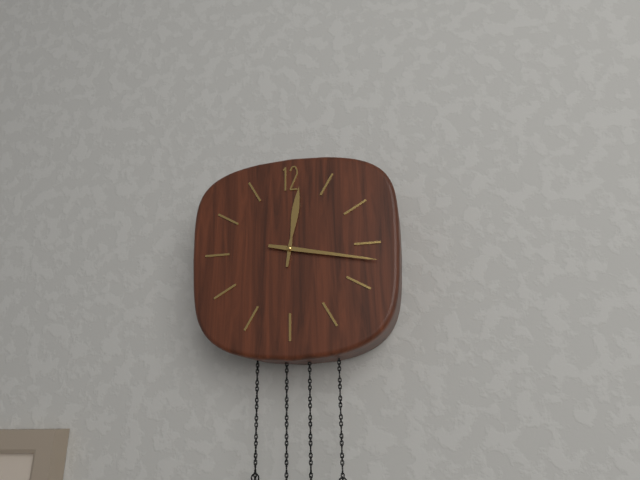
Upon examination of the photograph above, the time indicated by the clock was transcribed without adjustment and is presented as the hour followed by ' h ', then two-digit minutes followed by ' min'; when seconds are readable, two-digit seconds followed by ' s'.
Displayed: 12 h 17 min
